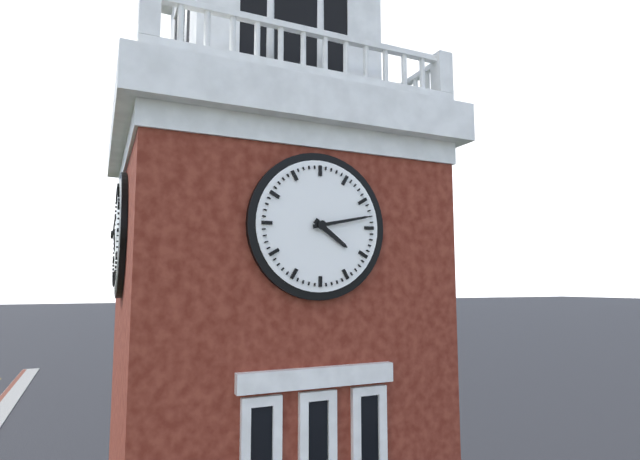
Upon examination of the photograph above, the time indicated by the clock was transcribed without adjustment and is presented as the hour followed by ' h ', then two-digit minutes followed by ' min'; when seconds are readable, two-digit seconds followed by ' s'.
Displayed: 4 h 13 min
